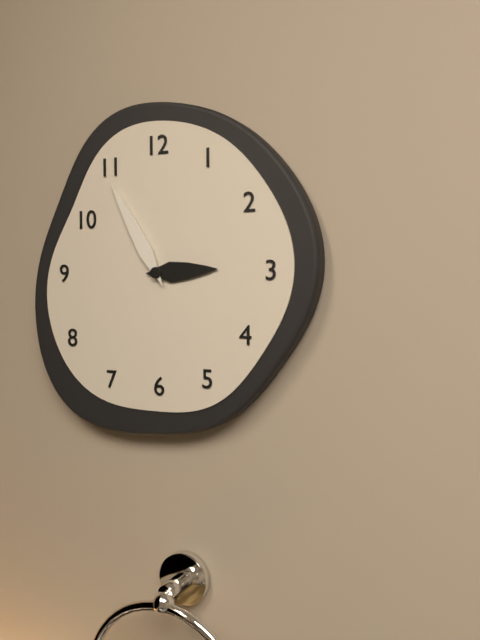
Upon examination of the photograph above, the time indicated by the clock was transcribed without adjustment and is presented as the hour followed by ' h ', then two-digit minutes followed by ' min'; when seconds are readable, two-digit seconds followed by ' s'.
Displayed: 2 h 55 min
